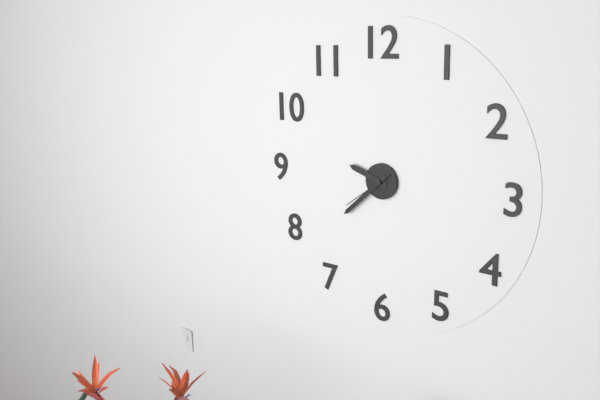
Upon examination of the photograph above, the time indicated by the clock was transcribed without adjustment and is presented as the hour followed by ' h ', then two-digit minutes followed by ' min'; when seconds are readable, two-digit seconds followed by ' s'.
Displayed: 9 h 38 min 39 s
